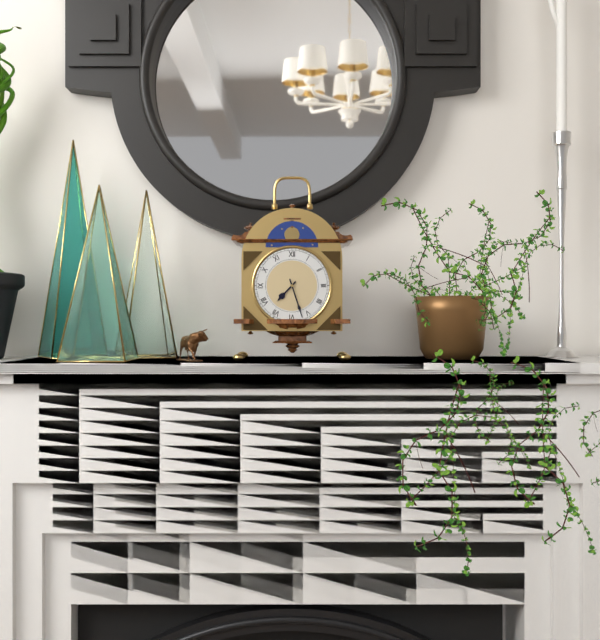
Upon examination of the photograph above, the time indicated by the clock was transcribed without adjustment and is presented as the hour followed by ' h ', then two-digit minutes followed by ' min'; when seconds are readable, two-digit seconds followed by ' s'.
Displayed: 7 h 27 min
